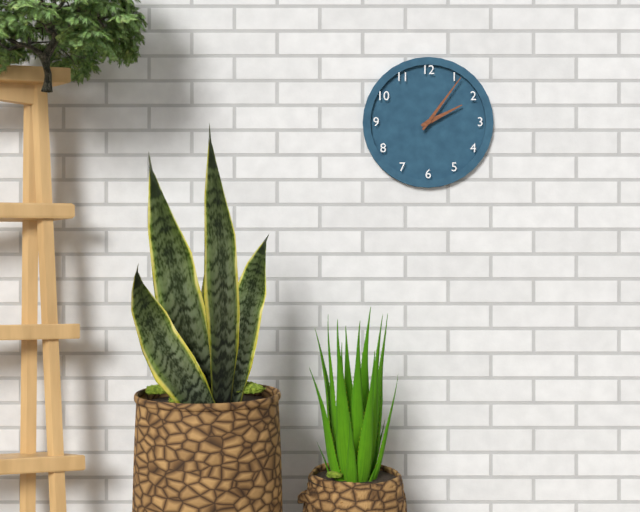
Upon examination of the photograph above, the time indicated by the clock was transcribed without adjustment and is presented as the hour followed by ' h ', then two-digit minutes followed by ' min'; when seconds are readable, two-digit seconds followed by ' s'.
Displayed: 2 h 06 min
